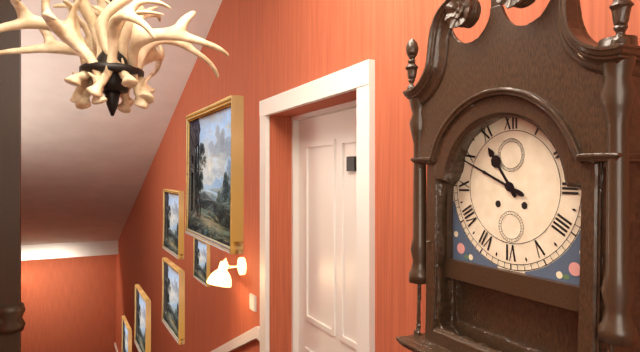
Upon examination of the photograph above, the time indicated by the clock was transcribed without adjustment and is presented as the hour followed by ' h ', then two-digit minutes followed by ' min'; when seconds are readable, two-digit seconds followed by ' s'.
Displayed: 10 h 49 min
